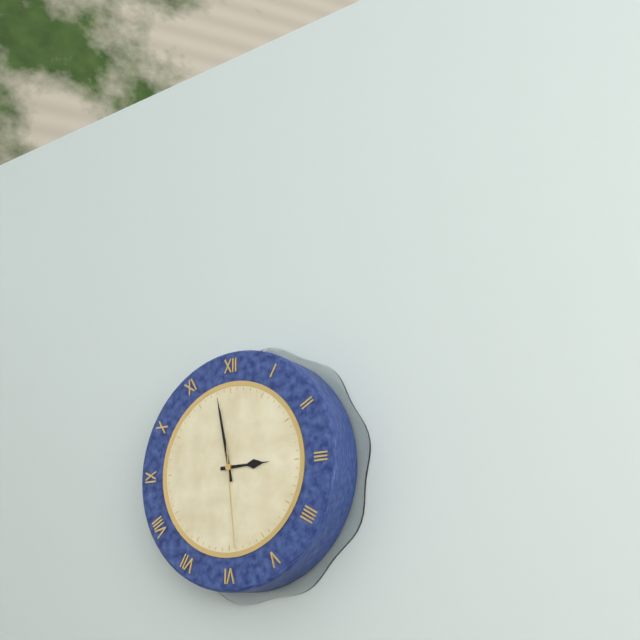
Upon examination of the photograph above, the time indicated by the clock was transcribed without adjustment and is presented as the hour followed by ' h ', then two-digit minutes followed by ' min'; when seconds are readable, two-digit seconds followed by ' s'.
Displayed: 2 h 58 min 29 s
